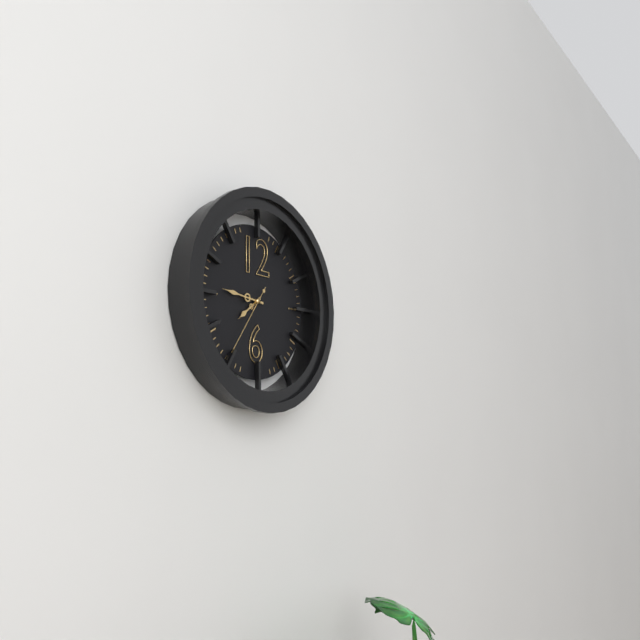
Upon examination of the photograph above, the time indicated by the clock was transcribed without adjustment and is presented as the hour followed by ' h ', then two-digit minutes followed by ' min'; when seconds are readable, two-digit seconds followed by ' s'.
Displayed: 7 h 46 min 36 s
